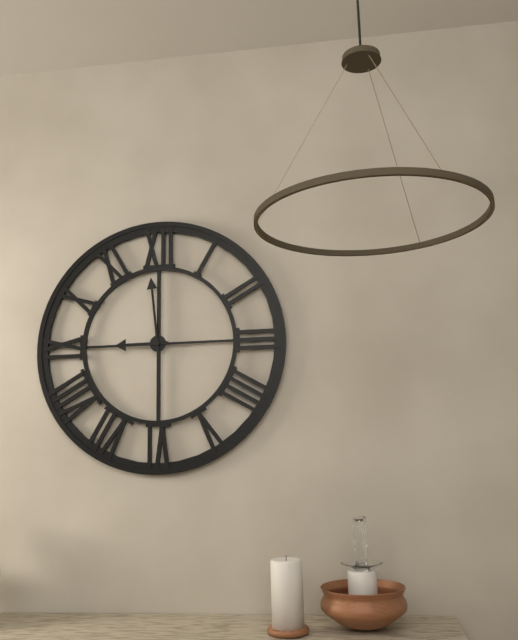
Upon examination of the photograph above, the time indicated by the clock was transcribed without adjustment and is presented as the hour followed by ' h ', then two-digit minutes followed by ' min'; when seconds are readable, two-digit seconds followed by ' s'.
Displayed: 8 h 59 min
